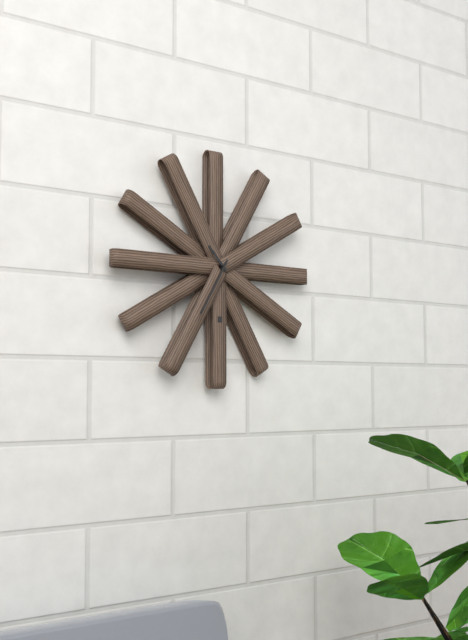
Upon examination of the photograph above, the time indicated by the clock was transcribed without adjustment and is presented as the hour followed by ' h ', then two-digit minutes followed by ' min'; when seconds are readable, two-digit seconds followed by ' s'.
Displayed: 10 h 35 min
